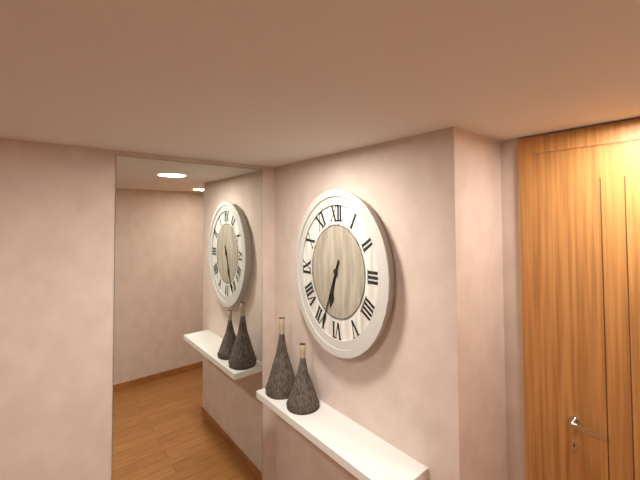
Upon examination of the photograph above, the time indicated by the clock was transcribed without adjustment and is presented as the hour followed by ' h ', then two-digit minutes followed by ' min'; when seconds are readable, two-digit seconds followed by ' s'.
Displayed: 6 h 34 min
